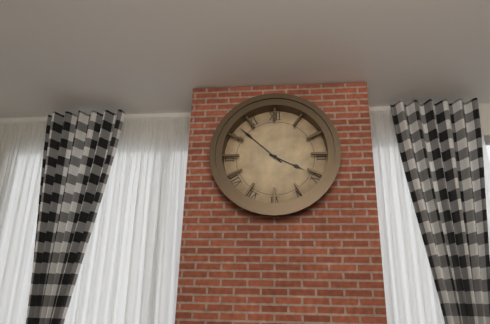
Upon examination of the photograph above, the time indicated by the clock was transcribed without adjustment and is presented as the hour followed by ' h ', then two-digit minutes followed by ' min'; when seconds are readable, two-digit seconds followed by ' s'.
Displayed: 3 h 52 min
